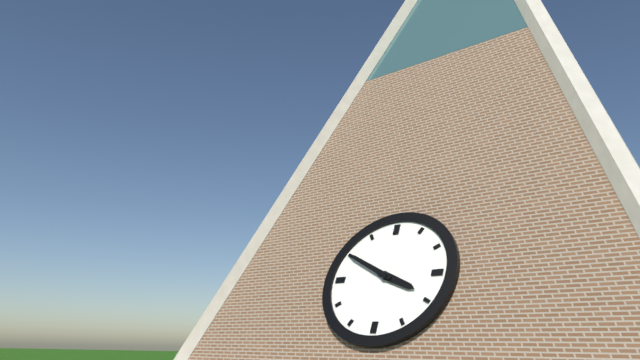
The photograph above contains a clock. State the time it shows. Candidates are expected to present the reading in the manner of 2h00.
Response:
3h50
